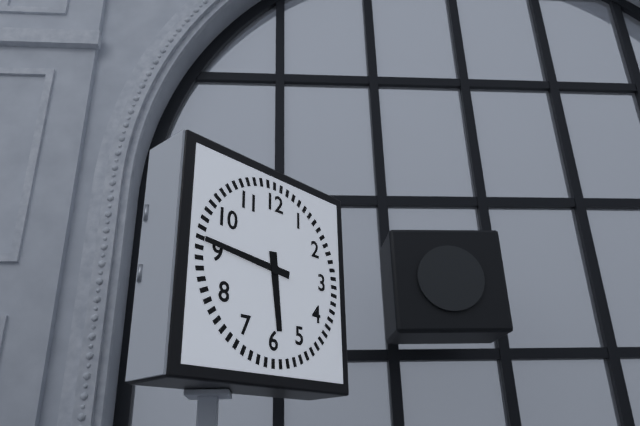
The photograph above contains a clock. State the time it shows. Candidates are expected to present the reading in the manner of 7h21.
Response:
5h46
